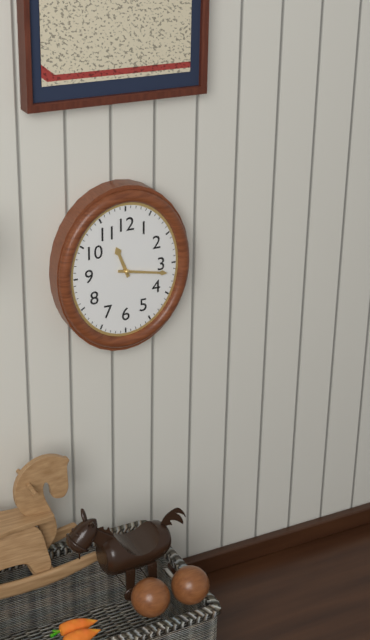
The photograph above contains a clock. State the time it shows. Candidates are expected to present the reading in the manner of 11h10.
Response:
11h17
